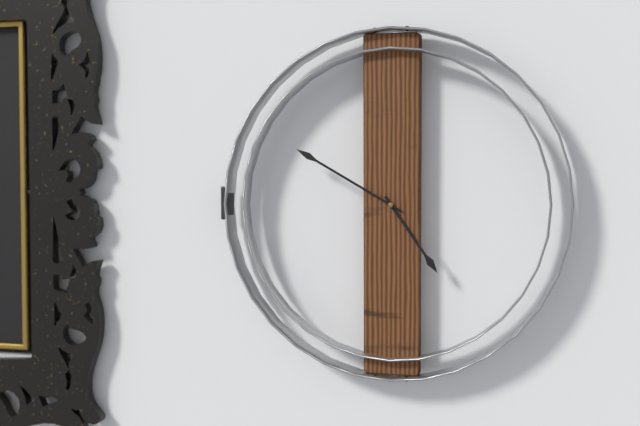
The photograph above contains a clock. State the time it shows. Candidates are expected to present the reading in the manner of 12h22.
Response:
4h50
